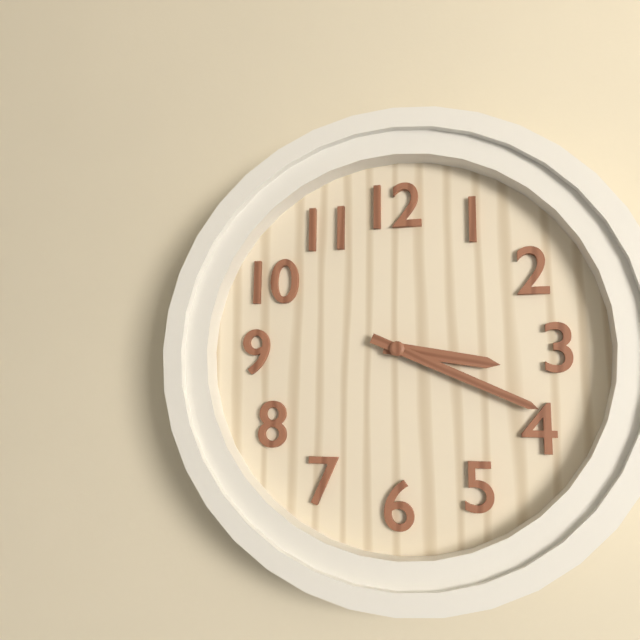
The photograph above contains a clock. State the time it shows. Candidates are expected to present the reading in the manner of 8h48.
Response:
3h19
